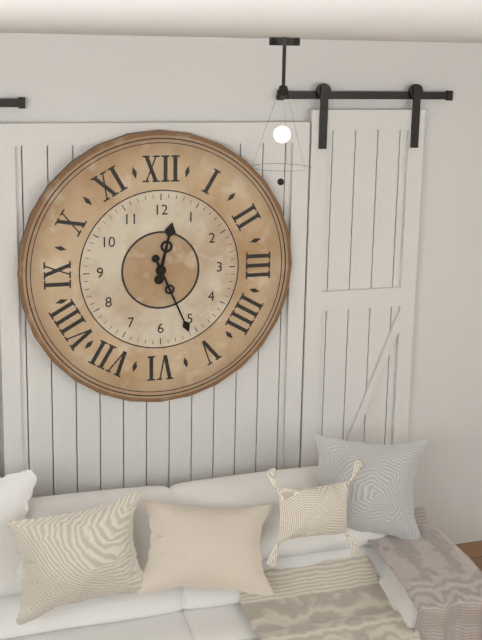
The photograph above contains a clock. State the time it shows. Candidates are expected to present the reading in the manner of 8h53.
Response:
12h26
